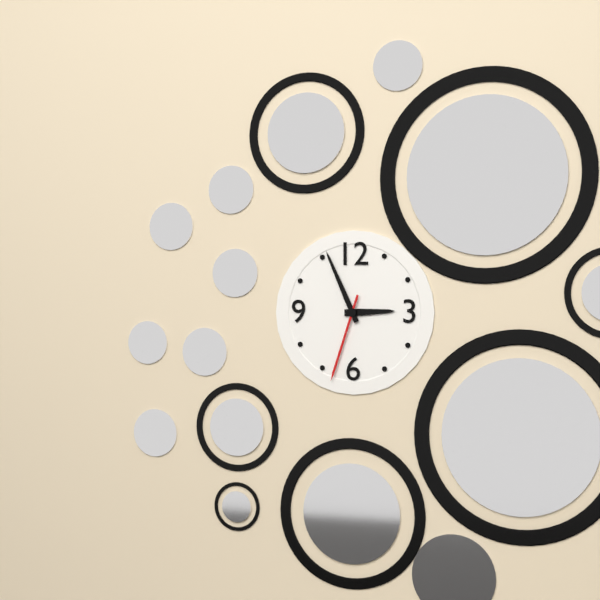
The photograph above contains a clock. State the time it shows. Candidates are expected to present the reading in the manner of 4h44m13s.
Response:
2h56m33s
